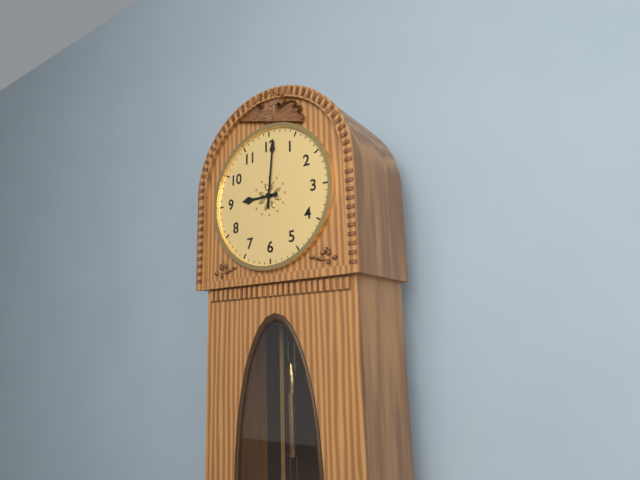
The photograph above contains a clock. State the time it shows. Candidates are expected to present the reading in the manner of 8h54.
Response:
9h01
